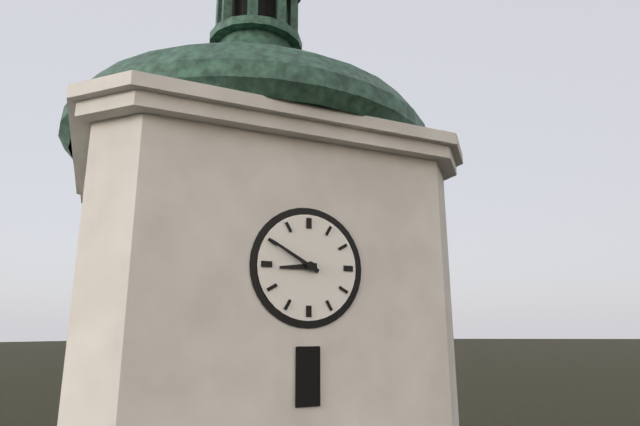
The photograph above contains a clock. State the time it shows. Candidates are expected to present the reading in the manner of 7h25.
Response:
8h50
